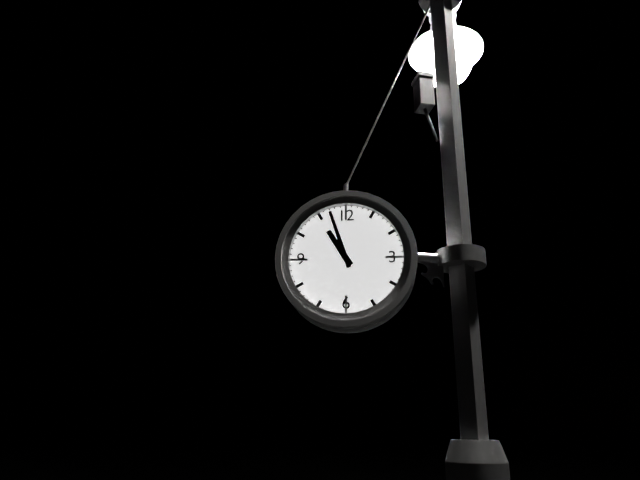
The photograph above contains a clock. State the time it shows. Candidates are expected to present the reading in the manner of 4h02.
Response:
10h57
